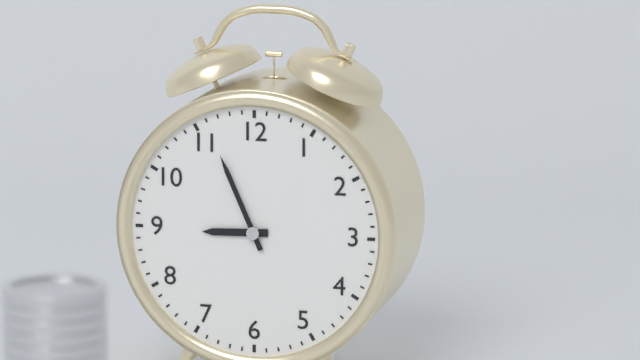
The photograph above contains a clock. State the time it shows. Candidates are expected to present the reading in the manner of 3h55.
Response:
8h56
